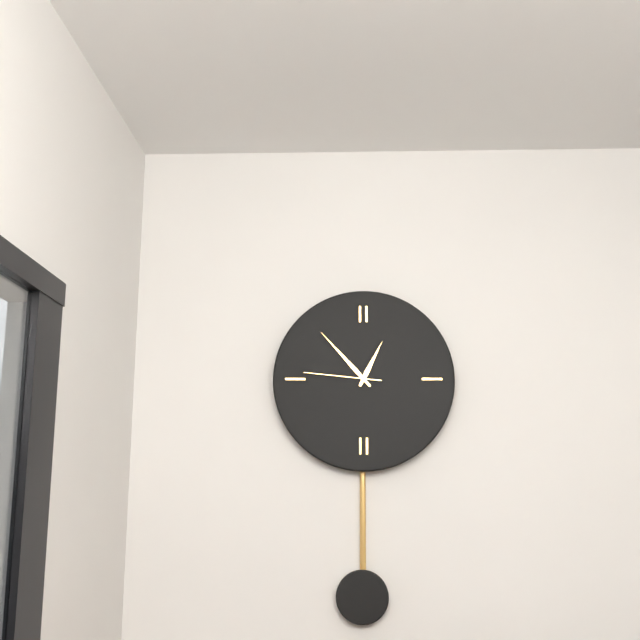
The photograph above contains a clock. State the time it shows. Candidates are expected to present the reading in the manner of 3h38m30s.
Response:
12h53m46s
